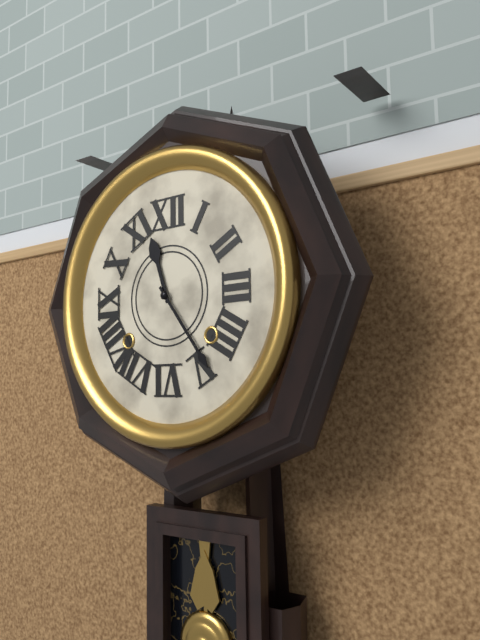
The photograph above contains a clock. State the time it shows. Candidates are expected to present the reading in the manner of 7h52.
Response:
11h24
